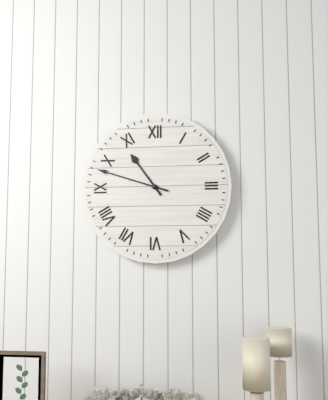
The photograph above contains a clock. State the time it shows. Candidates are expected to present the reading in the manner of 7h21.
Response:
10h48
